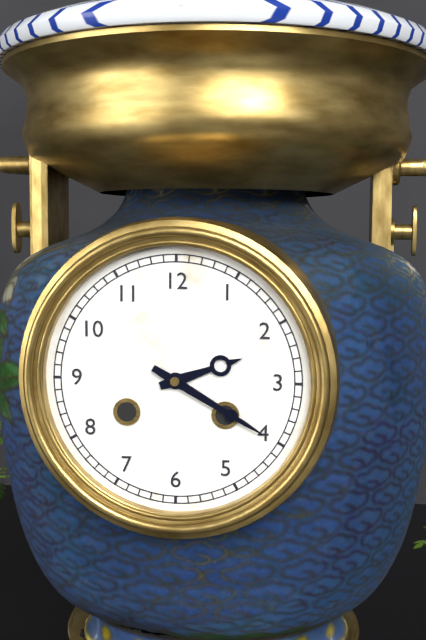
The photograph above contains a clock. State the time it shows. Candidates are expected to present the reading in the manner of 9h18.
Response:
2h20
